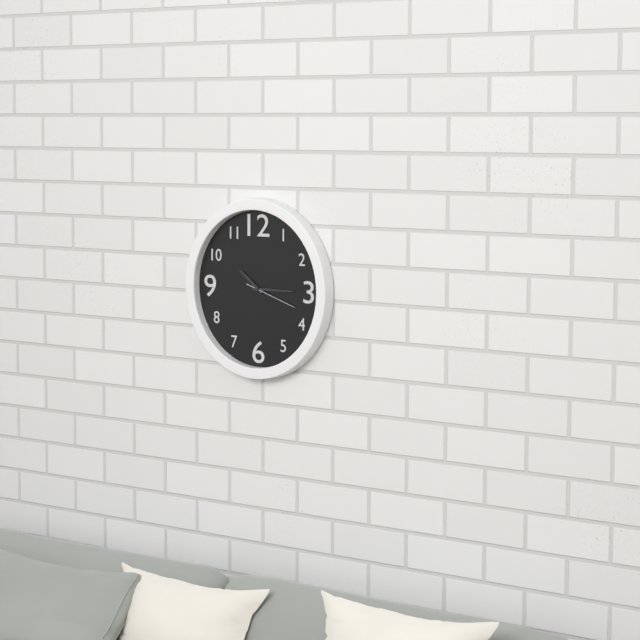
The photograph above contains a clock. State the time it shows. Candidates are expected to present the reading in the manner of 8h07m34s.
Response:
10h15m18s
